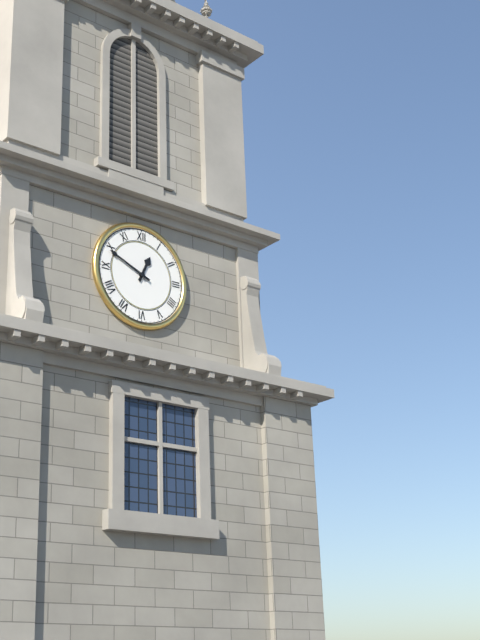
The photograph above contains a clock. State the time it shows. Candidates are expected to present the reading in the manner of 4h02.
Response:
12h49
